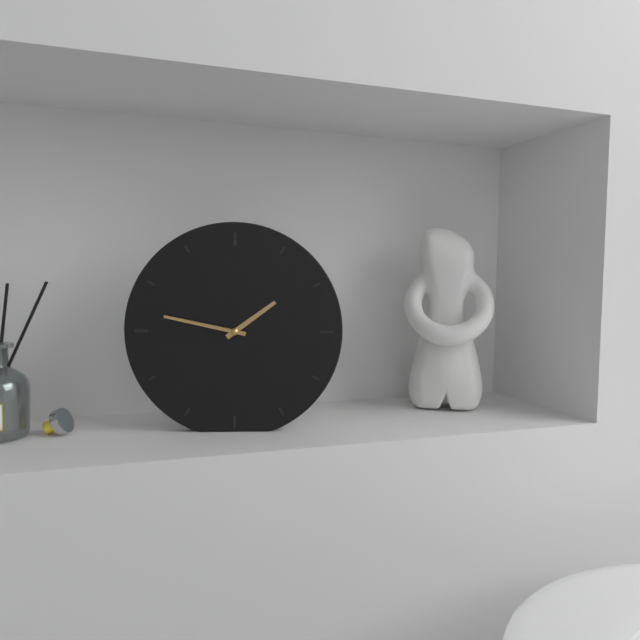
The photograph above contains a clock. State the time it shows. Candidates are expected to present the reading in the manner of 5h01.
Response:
1h47
